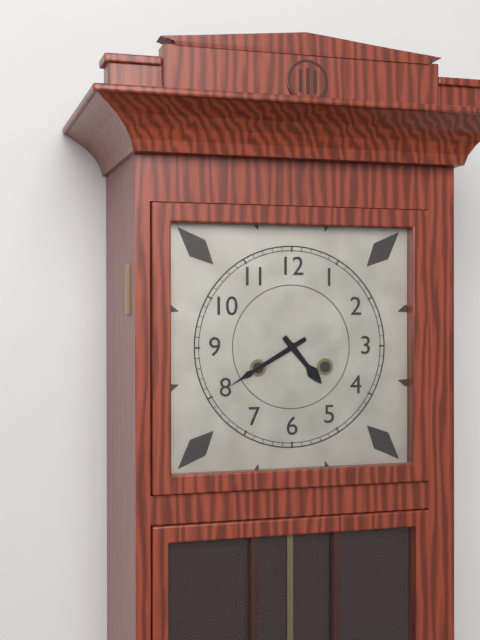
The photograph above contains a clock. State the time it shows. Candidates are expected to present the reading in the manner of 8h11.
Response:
4h40
